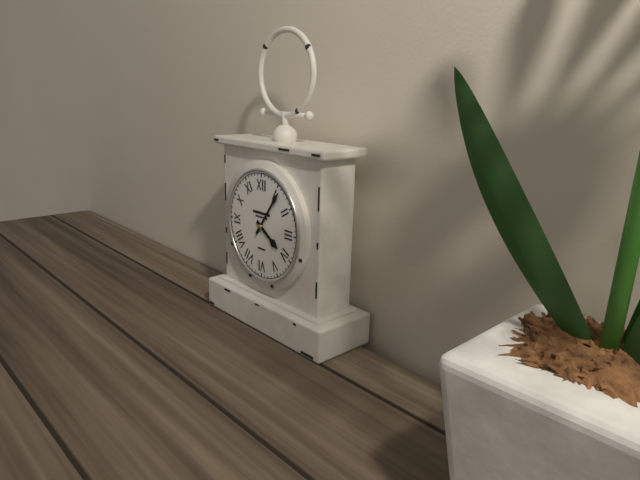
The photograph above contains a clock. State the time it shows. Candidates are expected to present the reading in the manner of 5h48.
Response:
4h06
